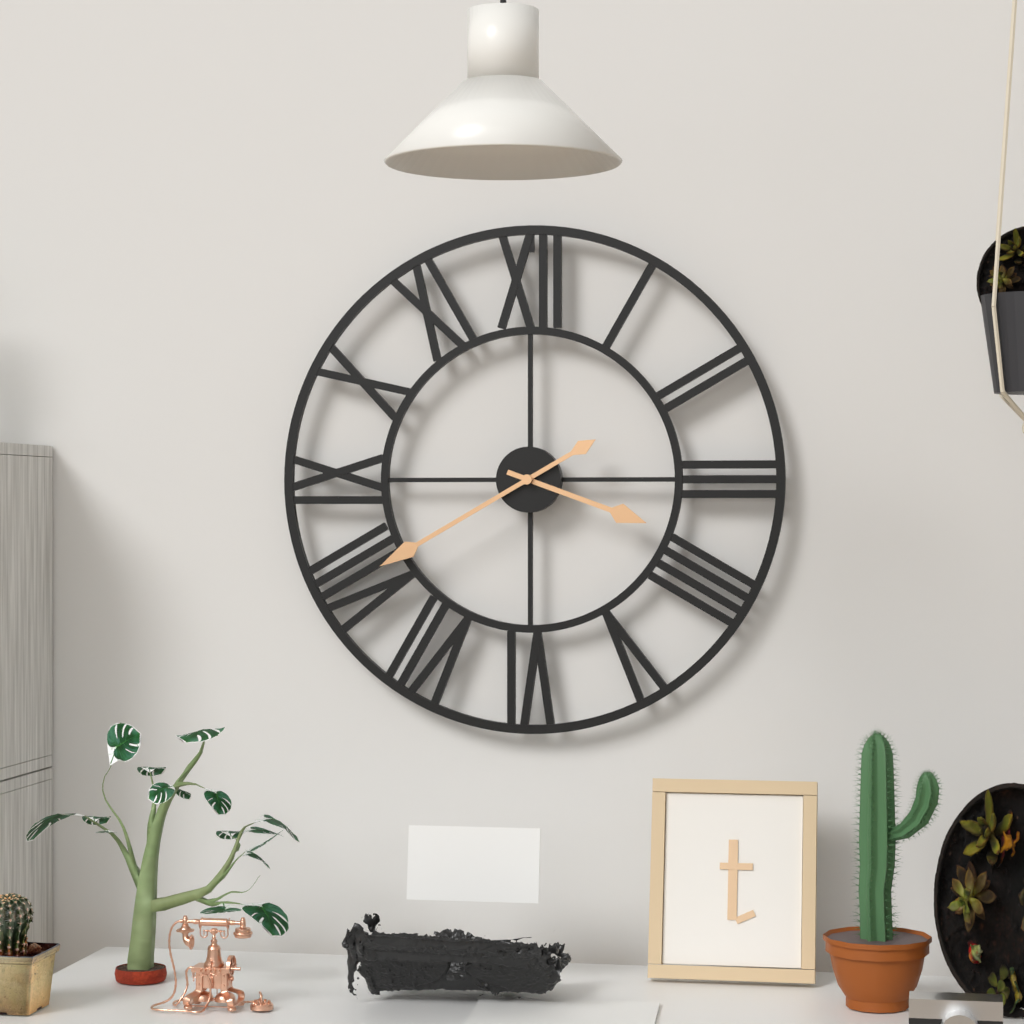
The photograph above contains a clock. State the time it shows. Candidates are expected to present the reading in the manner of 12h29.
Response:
3h40
